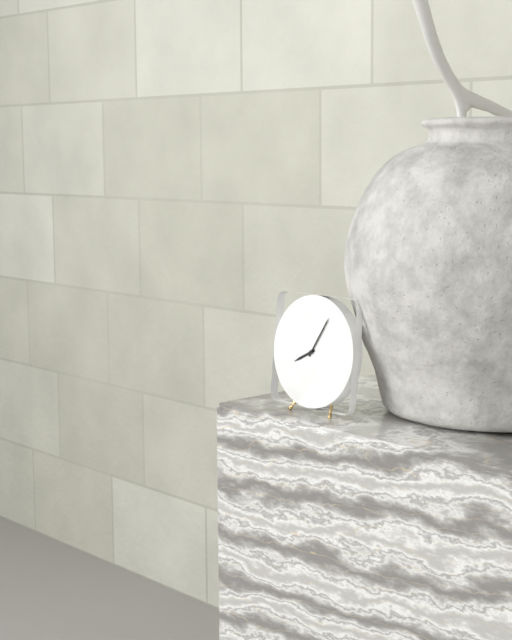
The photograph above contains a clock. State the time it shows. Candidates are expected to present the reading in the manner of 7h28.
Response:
8h05
